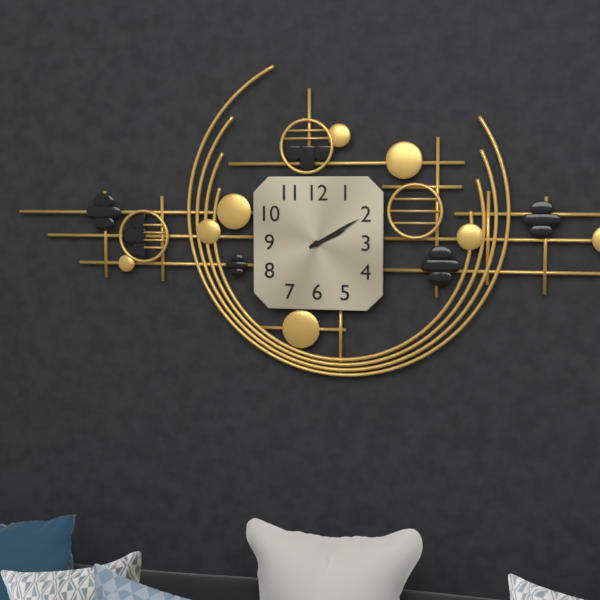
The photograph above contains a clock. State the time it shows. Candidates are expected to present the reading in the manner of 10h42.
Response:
2h10
